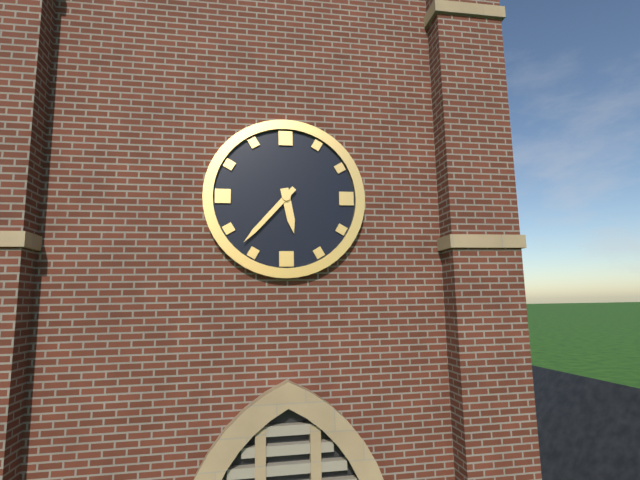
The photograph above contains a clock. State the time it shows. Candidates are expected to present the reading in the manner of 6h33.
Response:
5h37
